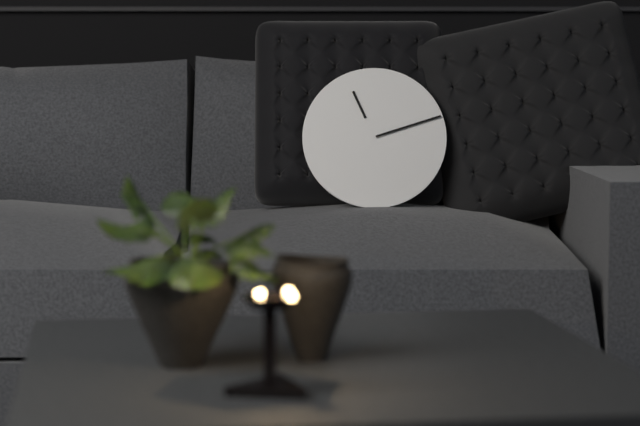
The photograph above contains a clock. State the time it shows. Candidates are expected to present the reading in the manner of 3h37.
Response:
11h12
